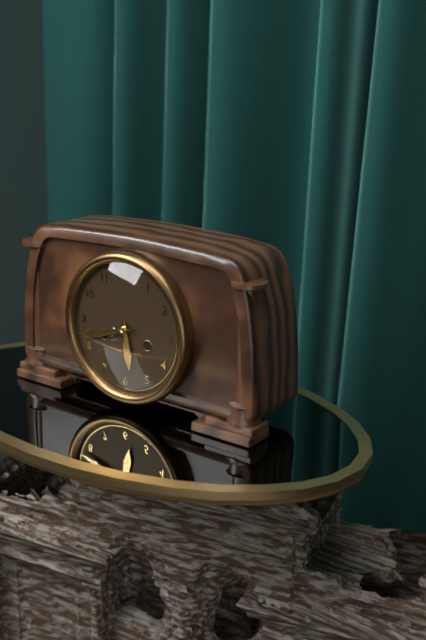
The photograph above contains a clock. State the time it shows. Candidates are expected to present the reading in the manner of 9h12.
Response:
5h42
